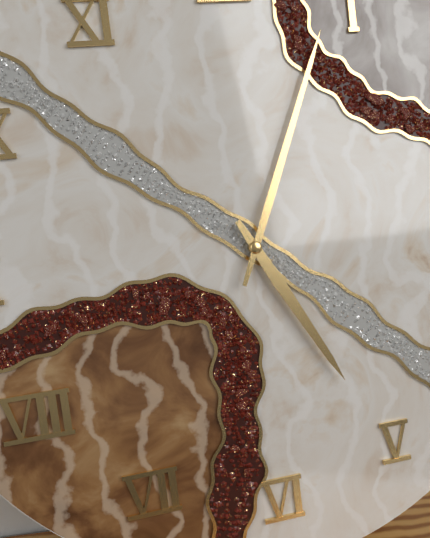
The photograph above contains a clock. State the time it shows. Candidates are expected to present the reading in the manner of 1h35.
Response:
5h04
